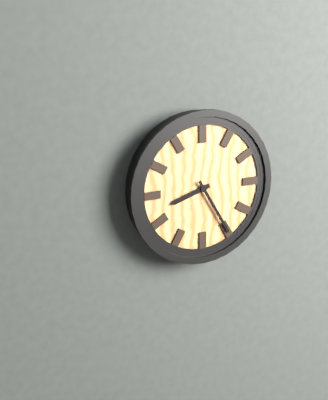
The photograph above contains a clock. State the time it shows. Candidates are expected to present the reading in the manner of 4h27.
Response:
8h25
